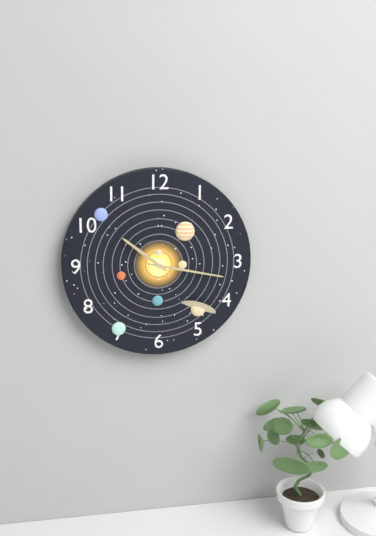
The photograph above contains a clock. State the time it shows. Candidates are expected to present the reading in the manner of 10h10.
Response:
10h17
